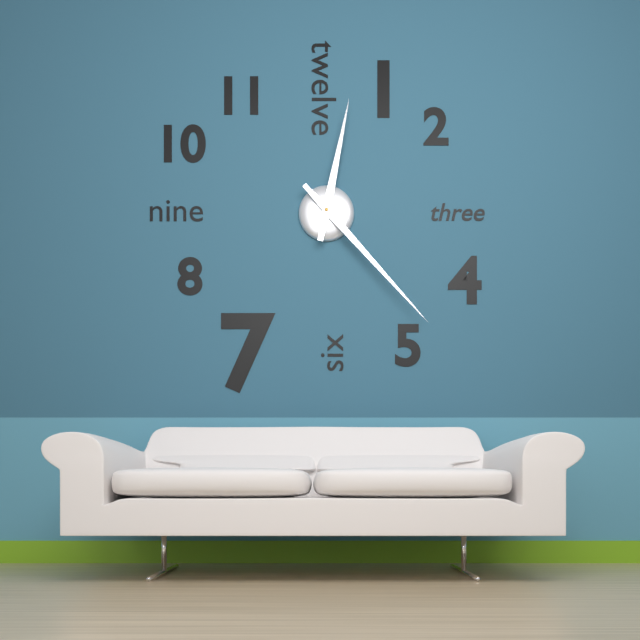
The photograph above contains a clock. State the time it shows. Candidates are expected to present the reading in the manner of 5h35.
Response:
12h23
